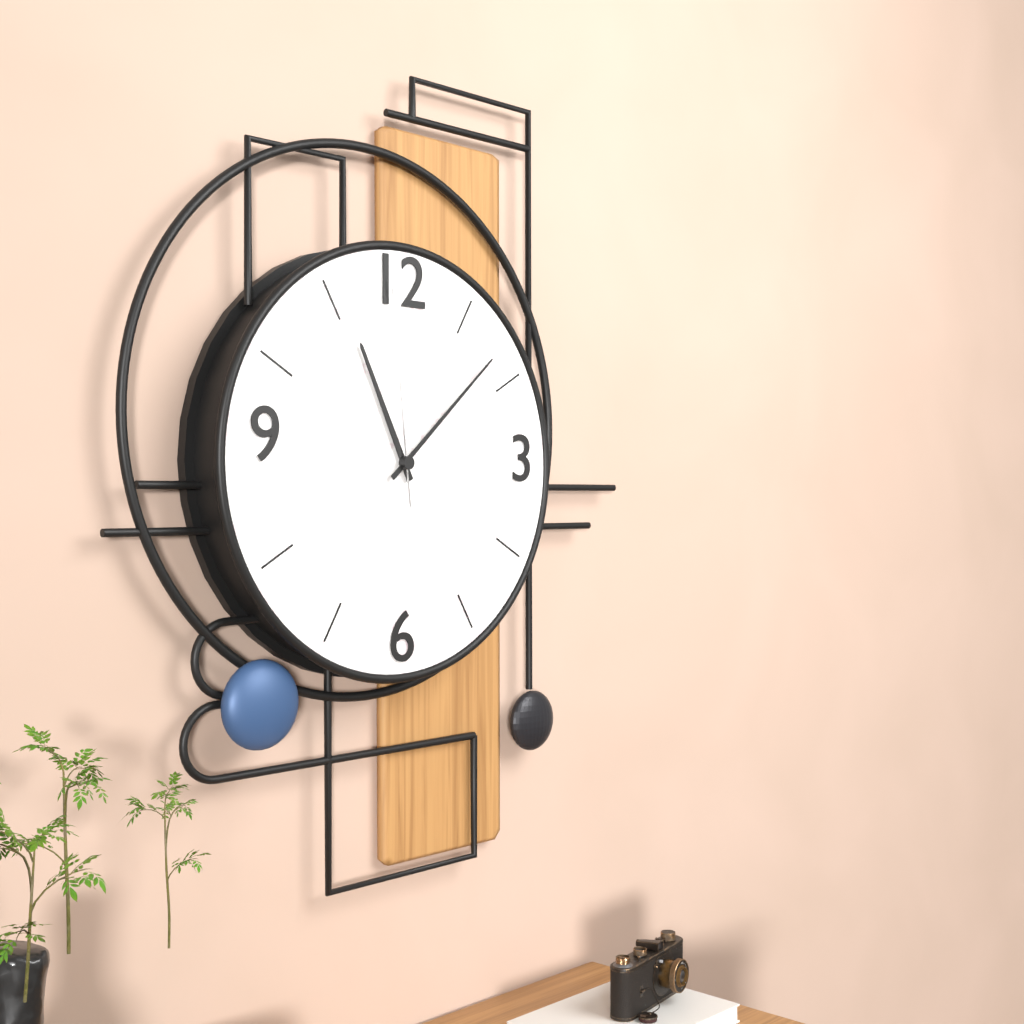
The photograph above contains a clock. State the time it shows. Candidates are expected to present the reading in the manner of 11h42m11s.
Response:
11h08m59s
